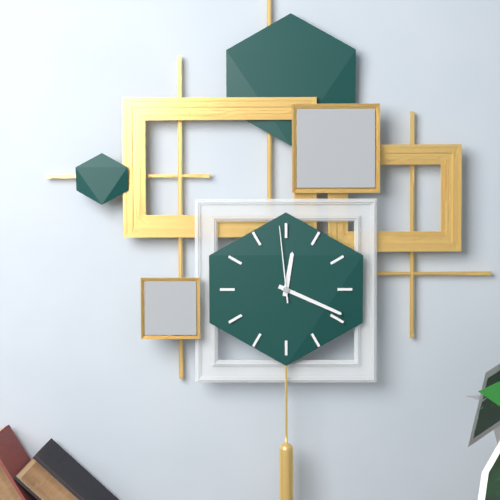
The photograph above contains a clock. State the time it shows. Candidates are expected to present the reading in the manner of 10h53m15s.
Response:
12h19m59s
